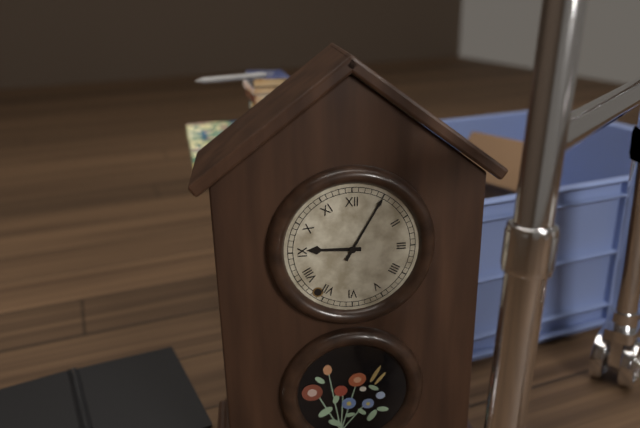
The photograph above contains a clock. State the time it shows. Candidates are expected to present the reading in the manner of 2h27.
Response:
9h05
